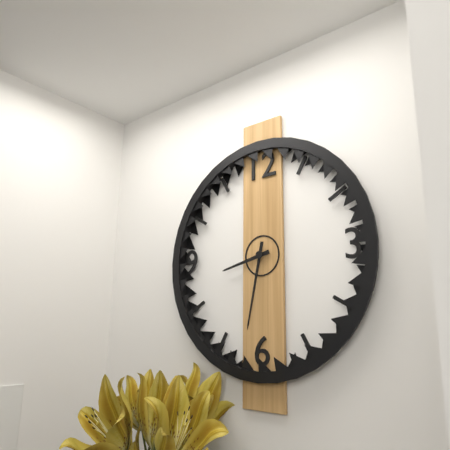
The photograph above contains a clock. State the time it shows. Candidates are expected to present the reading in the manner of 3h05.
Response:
8h32
